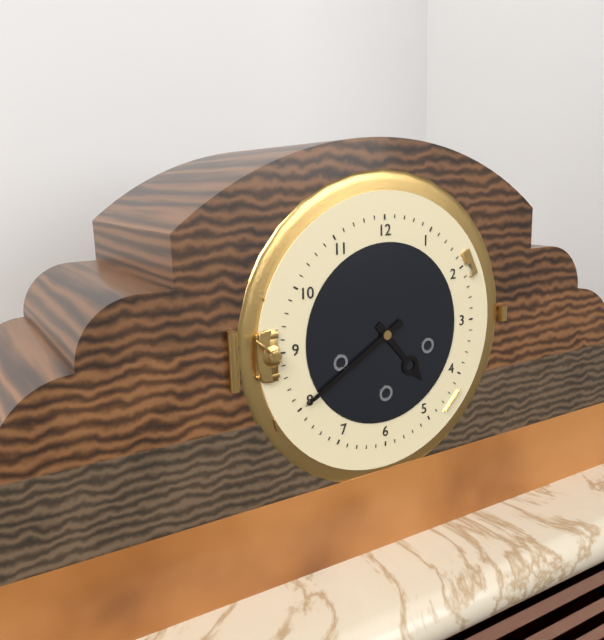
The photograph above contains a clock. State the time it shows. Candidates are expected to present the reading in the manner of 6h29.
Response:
4h40
